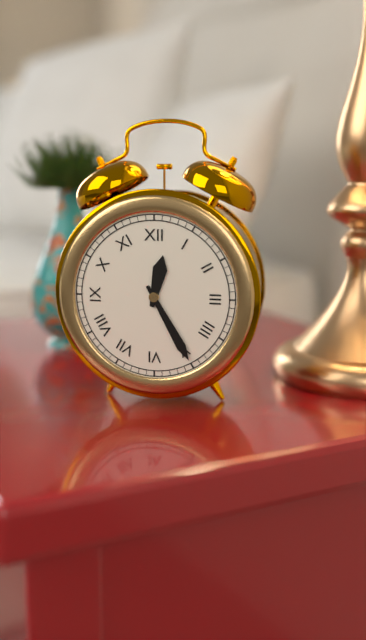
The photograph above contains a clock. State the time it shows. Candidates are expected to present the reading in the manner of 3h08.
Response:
12h25
